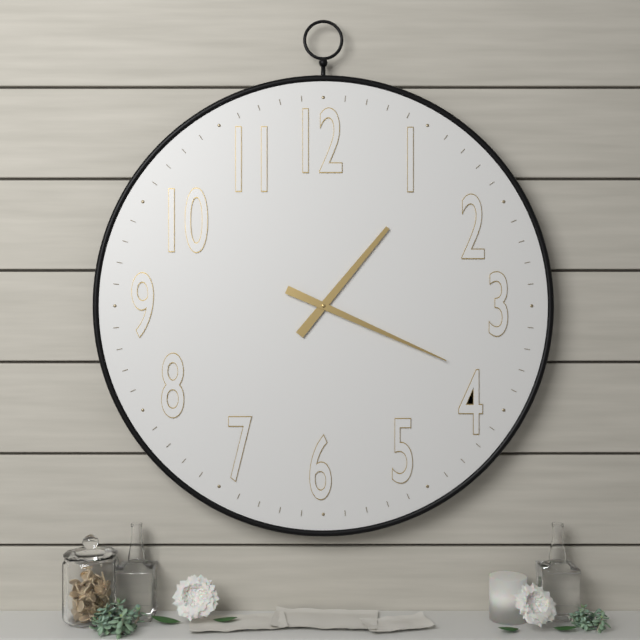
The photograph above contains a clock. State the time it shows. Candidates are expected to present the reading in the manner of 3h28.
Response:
1h19
